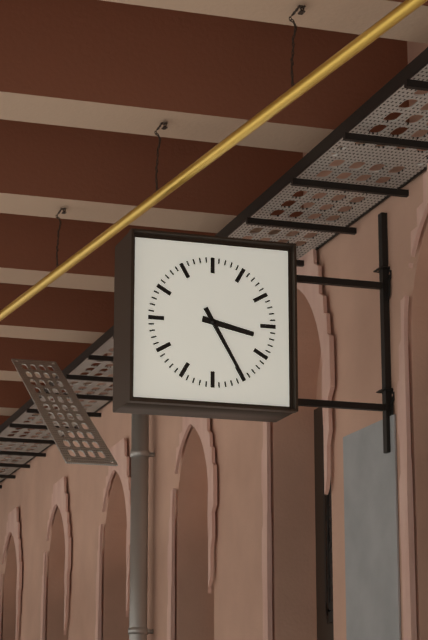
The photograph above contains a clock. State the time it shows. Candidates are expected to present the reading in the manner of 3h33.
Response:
3h25
